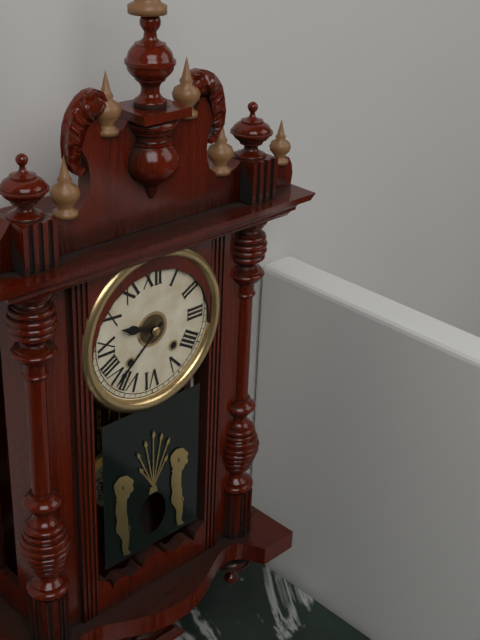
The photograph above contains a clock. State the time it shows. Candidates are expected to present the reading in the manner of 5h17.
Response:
9h38
